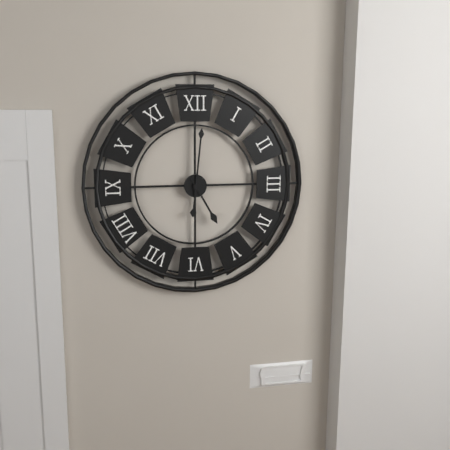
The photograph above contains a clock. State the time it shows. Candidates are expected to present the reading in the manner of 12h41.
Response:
5h01
